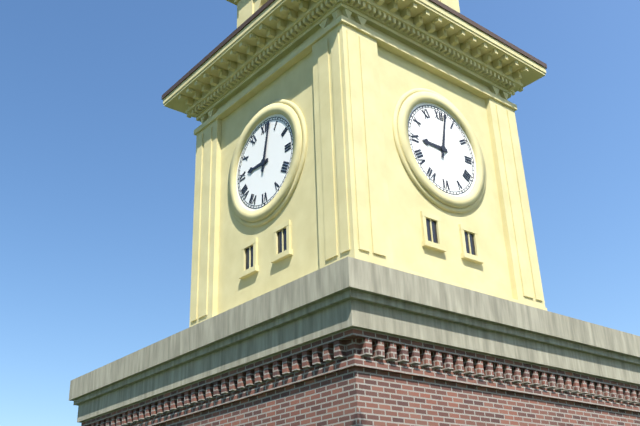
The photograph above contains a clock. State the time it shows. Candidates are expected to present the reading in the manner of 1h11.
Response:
9h02
